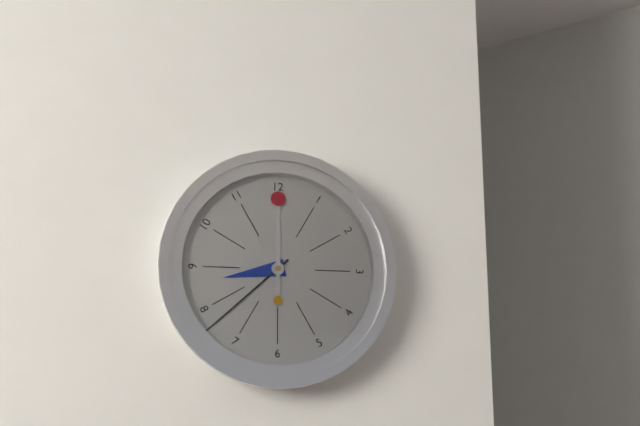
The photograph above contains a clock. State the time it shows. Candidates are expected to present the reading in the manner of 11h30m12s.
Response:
8h38m00s
